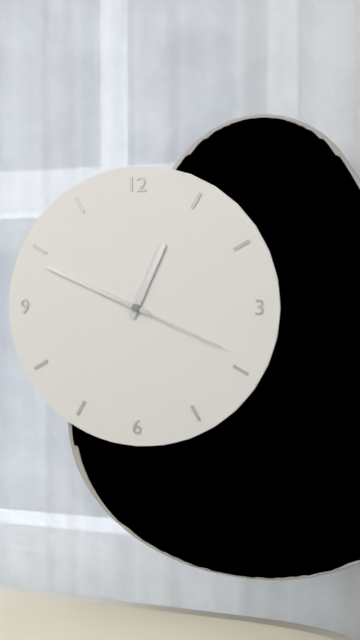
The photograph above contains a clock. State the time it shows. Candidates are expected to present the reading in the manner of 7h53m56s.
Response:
12h49m19s
